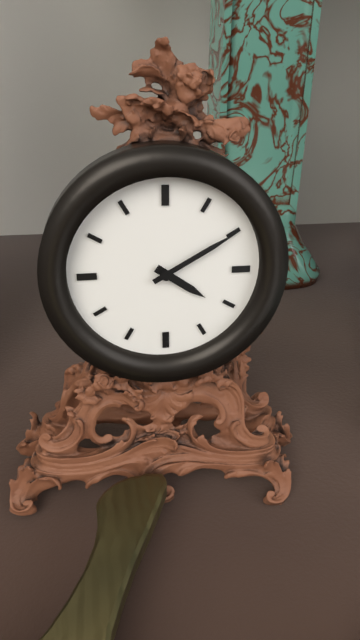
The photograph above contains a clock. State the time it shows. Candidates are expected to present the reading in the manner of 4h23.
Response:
4h10
